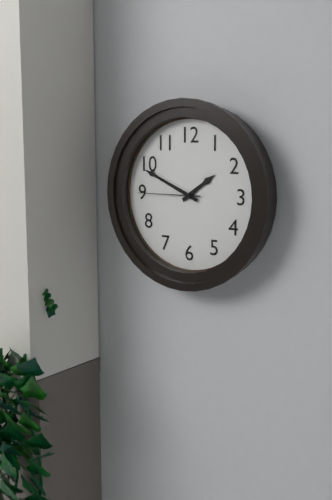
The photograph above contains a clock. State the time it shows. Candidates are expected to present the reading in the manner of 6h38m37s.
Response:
1h49m45s
